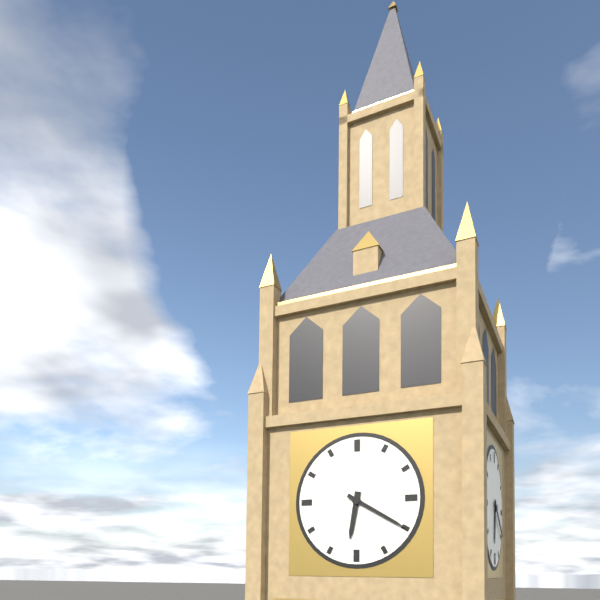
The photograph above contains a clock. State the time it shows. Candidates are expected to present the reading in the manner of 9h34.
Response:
6h20
